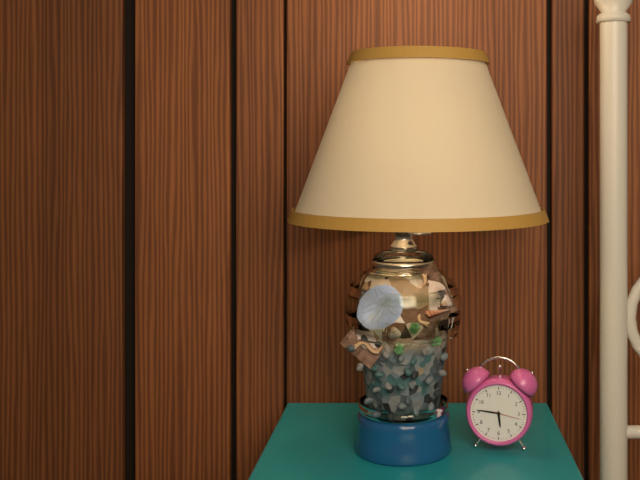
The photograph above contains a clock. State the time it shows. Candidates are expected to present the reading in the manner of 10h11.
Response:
5h46
